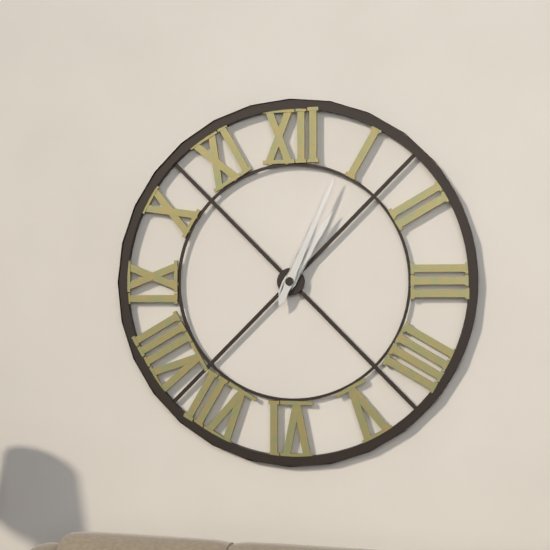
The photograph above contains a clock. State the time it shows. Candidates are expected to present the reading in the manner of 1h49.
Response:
1h04
